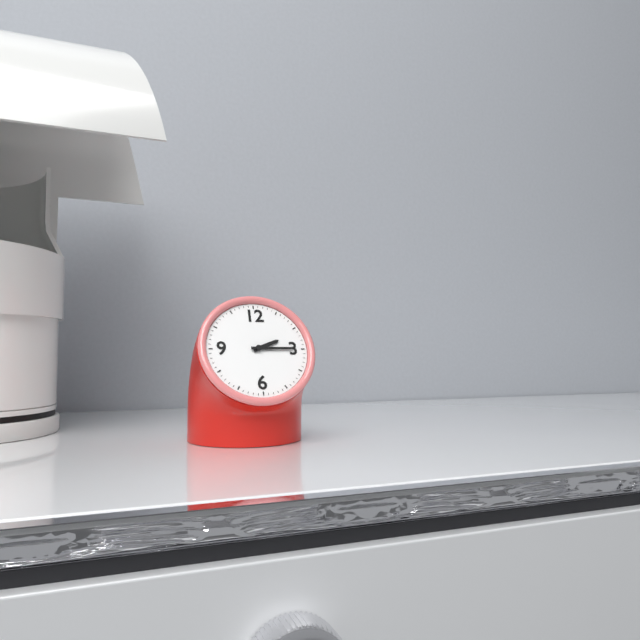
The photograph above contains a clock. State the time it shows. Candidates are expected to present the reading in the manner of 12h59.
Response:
2h15
